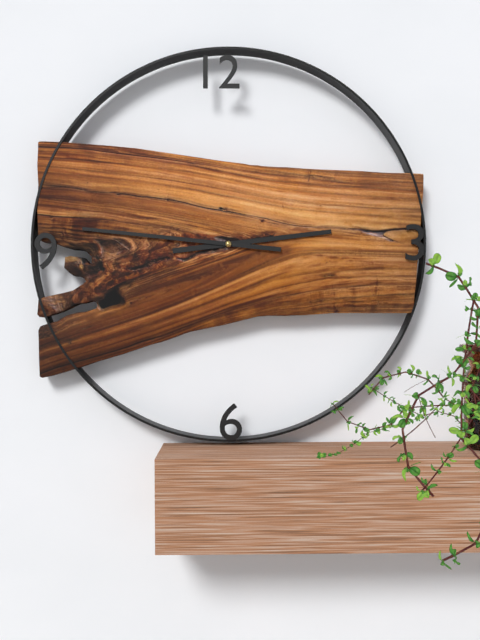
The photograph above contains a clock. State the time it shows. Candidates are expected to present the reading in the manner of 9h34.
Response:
2h46
